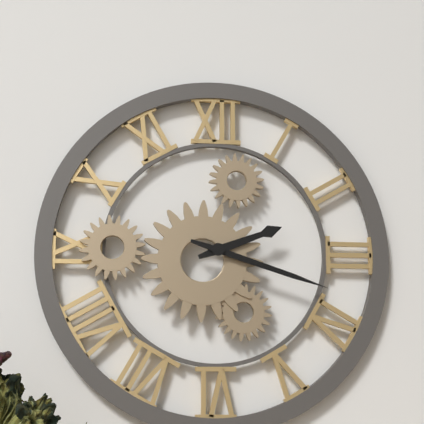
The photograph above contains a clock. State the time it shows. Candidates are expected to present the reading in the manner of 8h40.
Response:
2h18
